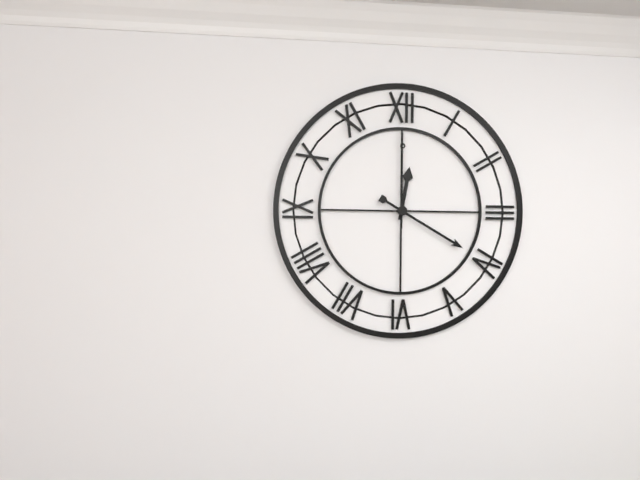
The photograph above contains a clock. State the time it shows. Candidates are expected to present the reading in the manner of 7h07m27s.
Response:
12h20m00s
